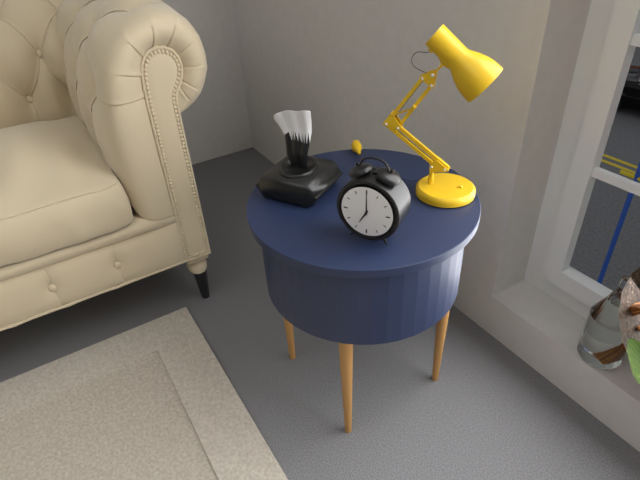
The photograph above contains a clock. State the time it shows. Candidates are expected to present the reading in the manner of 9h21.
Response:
7h00
